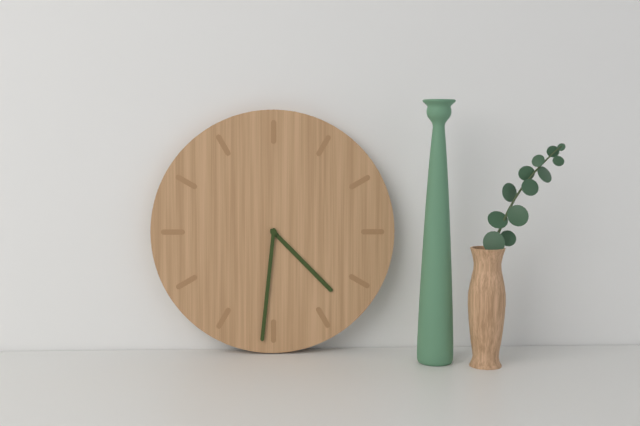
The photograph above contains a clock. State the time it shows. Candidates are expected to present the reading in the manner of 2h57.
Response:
4h31
